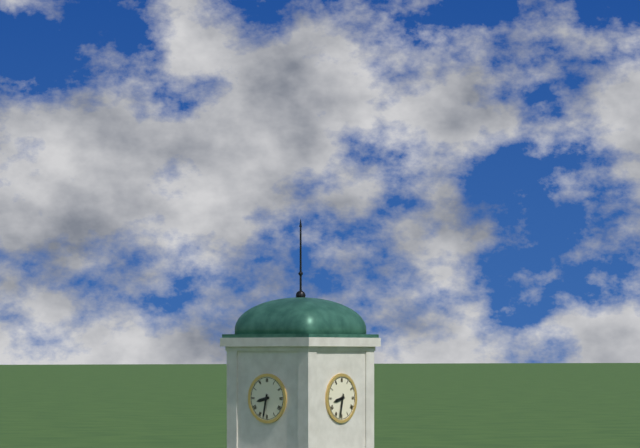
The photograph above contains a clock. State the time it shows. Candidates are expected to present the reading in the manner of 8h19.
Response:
8h32
